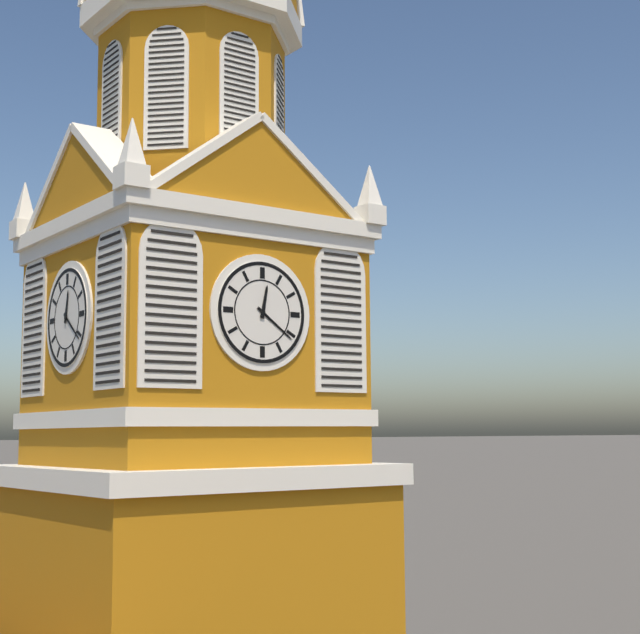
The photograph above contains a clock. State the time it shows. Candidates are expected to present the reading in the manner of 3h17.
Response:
12h21
